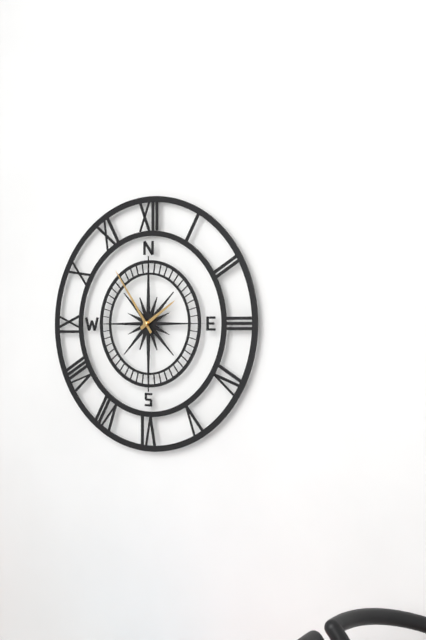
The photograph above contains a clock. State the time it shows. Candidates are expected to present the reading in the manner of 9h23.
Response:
1h54
